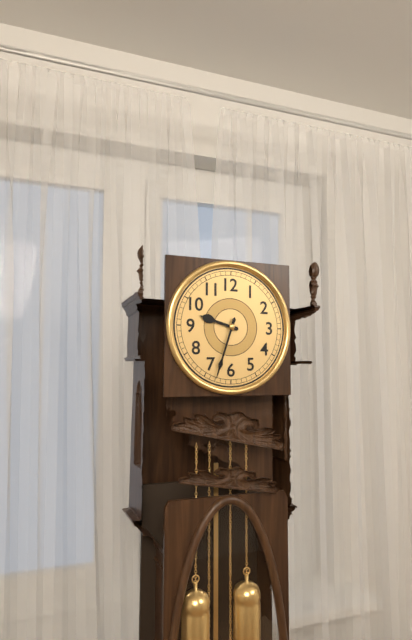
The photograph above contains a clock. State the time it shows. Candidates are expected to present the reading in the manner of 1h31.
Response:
9h33
